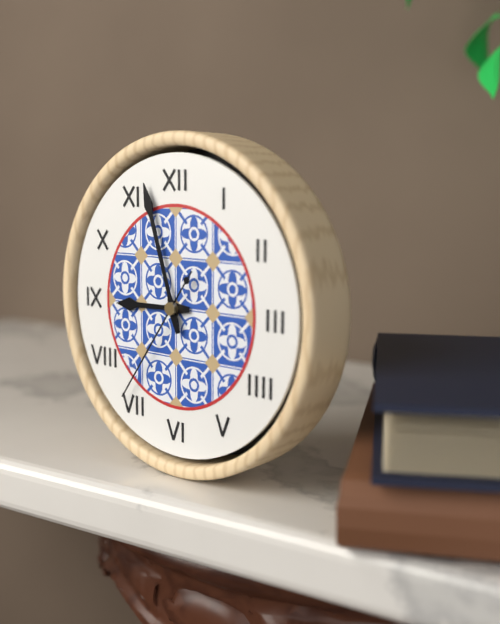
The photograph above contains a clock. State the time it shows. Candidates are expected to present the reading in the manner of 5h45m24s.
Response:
8h57m36s
